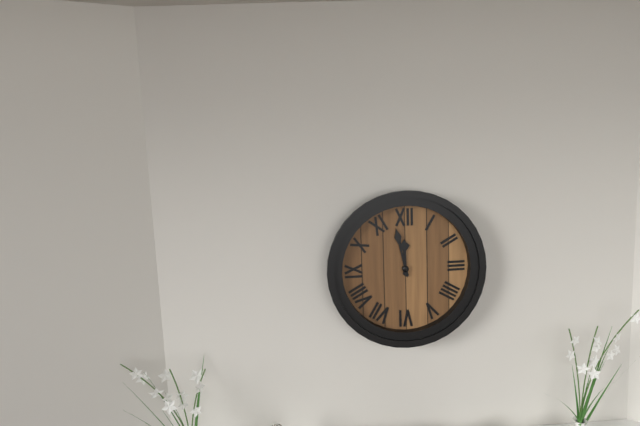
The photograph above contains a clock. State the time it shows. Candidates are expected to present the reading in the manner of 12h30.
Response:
11h58
